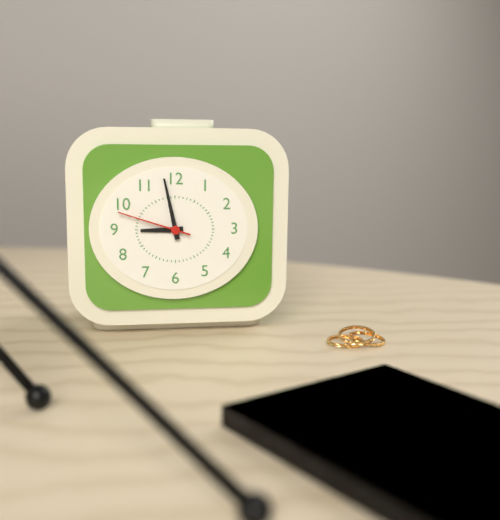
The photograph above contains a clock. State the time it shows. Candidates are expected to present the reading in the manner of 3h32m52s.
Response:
8h58m48s
